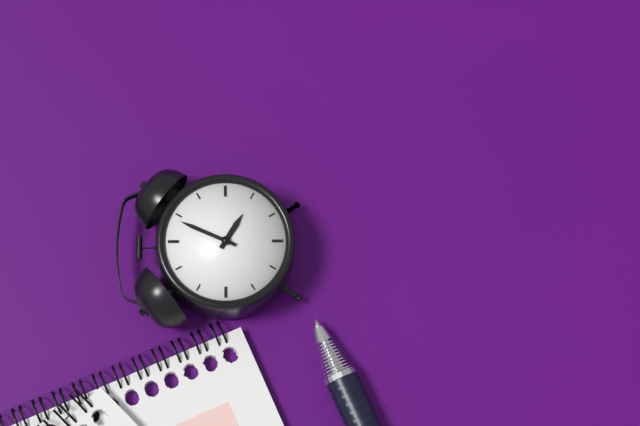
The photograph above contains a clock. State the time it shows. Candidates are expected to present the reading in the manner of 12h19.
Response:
4h04
